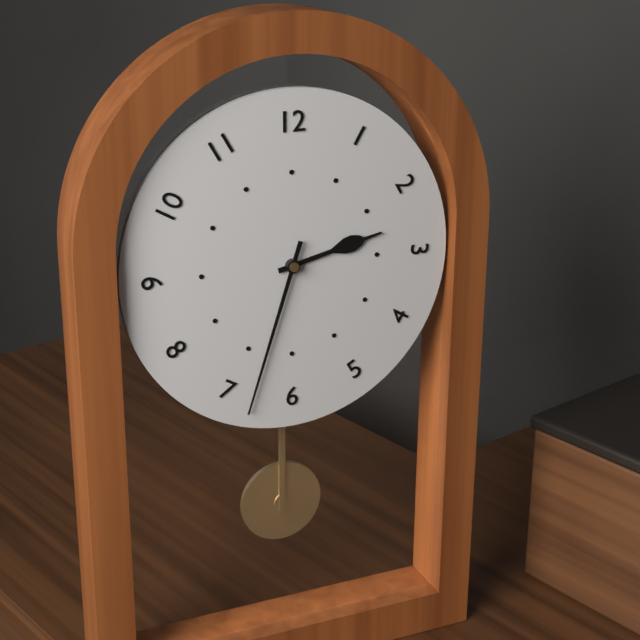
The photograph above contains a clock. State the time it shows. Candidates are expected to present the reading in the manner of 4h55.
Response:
2h33
